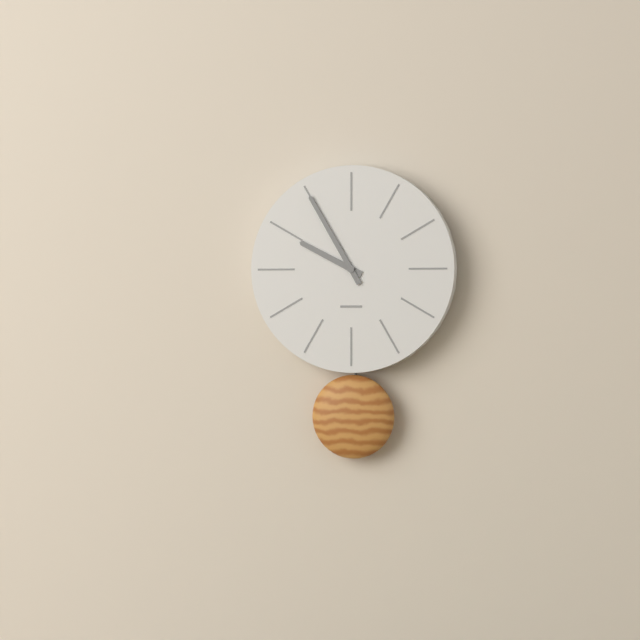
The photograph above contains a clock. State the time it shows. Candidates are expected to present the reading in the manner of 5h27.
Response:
9h55
